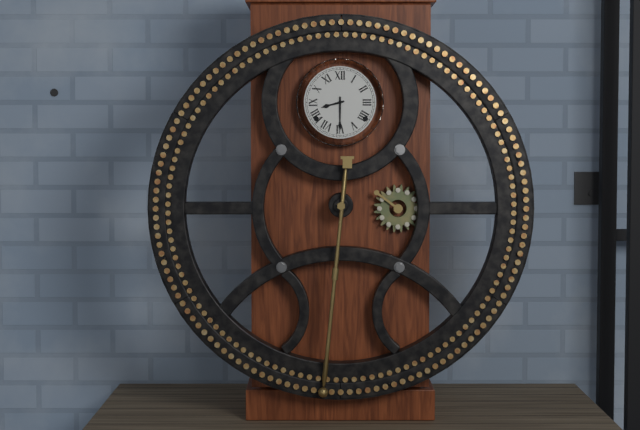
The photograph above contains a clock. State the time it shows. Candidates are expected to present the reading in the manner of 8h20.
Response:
8h30
